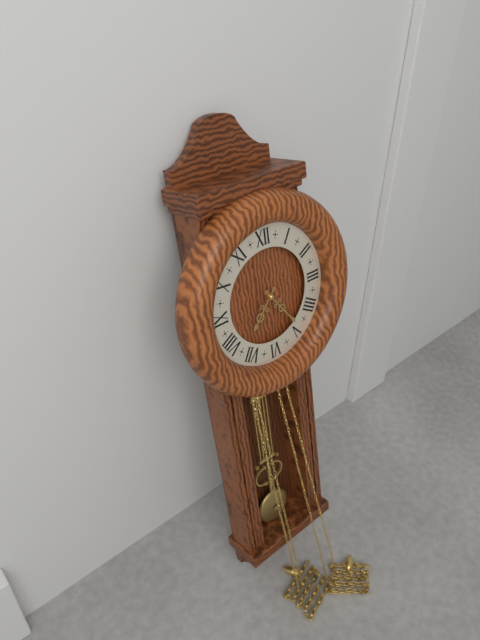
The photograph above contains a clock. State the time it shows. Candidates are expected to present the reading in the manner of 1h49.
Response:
7h24
